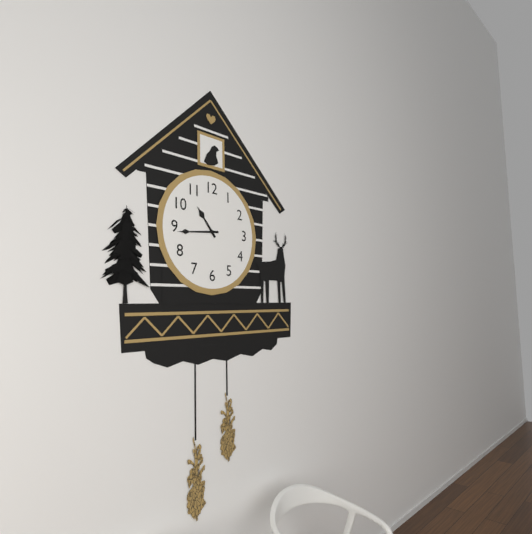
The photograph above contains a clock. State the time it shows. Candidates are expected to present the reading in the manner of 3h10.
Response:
10h44
